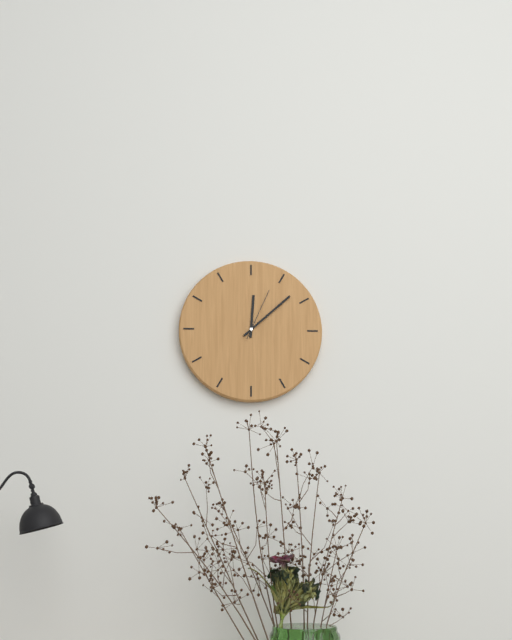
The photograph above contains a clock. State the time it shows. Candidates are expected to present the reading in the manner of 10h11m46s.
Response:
12h08m04s
